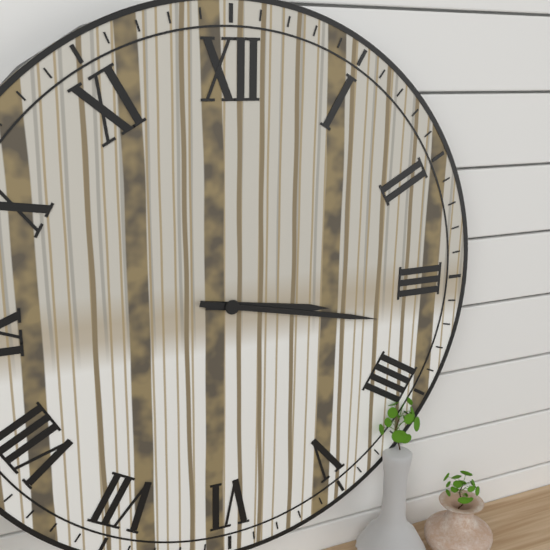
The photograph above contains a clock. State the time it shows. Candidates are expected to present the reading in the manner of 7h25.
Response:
3h17
